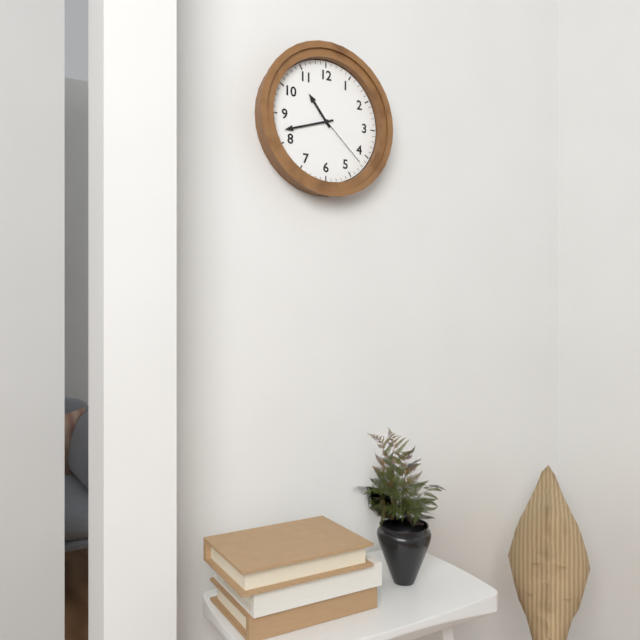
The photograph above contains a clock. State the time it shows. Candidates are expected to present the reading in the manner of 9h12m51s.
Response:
10h42m22s
